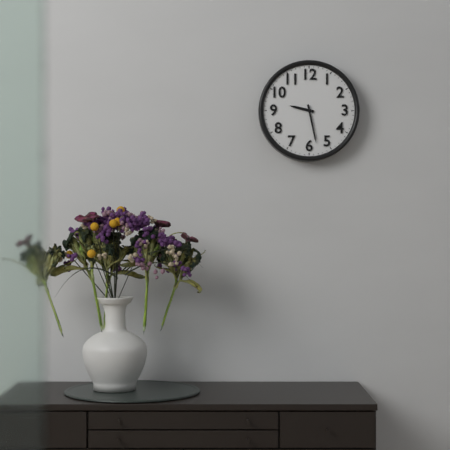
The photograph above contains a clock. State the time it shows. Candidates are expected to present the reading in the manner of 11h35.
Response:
9h28
